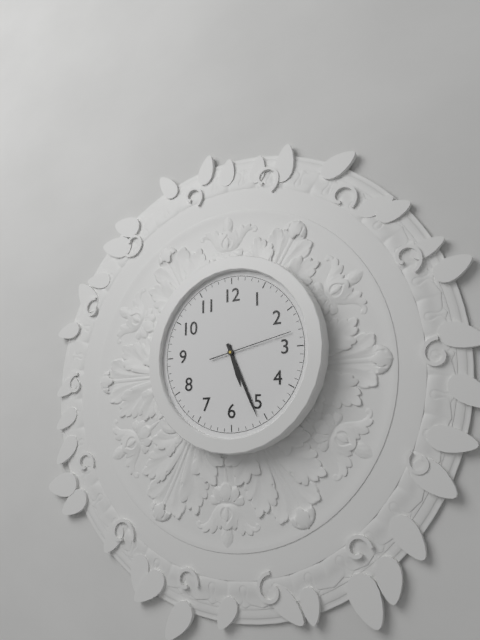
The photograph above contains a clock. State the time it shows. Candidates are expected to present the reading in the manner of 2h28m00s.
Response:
5h26m13s
